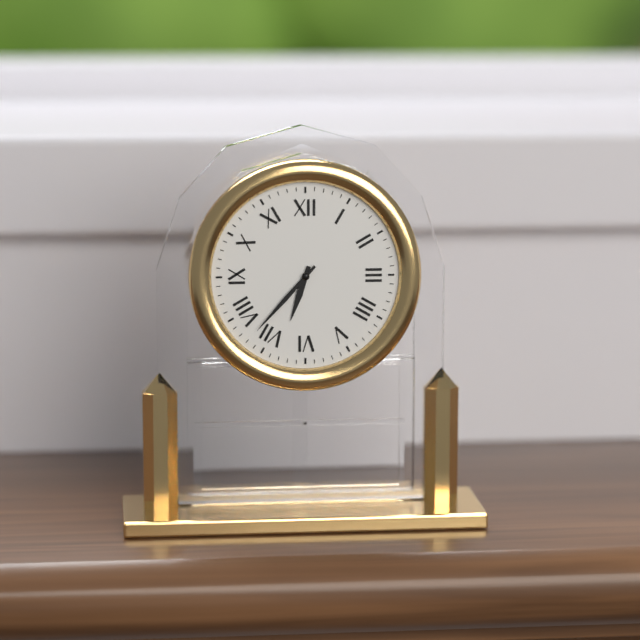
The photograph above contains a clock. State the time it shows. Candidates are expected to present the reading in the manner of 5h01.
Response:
6h37
